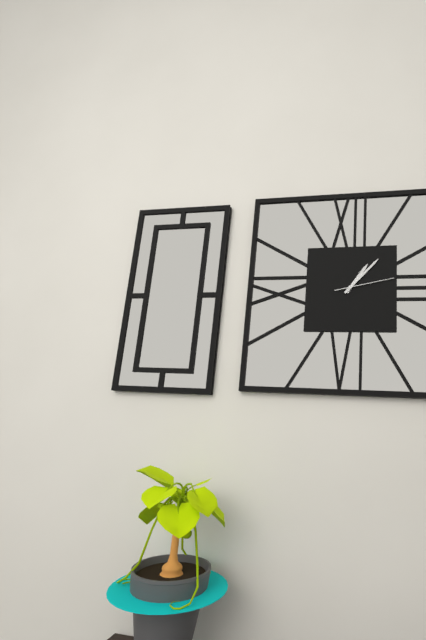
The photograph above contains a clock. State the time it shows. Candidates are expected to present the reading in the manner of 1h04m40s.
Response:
1h07m13s
